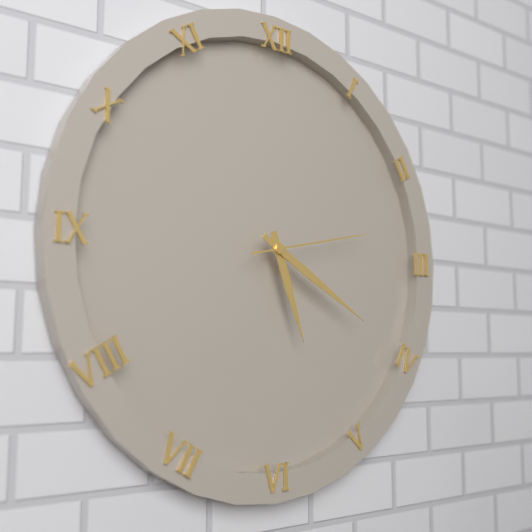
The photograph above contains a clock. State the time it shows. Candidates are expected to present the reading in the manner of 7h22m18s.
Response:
5h20m13s
